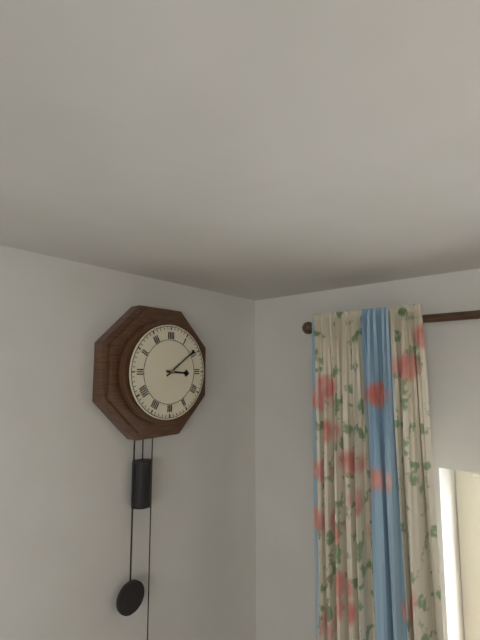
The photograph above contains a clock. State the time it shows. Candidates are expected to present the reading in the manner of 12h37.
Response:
3h09
